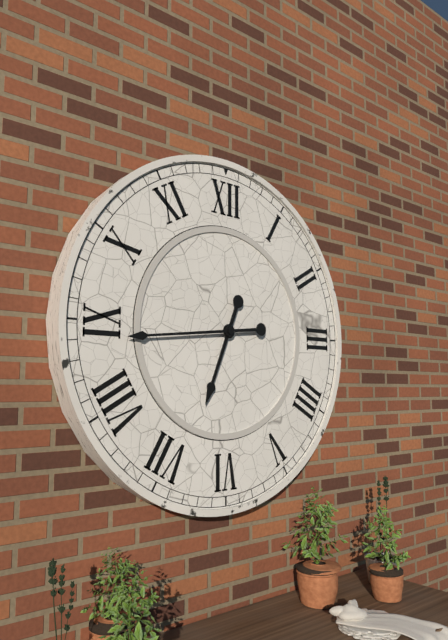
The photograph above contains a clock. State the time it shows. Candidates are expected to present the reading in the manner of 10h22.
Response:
6h44
